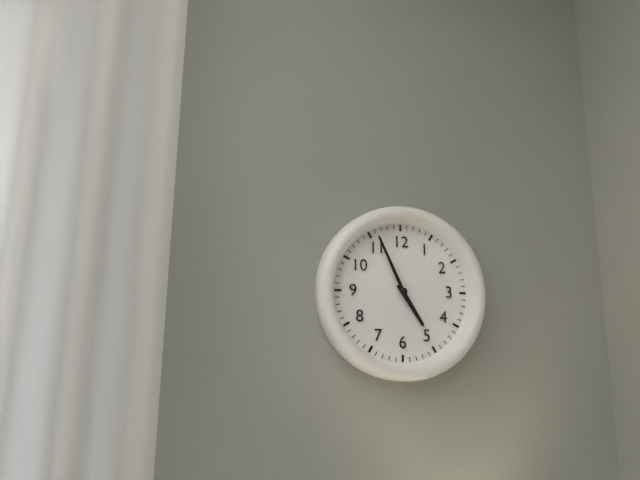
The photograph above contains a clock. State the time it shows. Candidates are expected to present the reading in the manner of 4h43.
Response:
4h56
